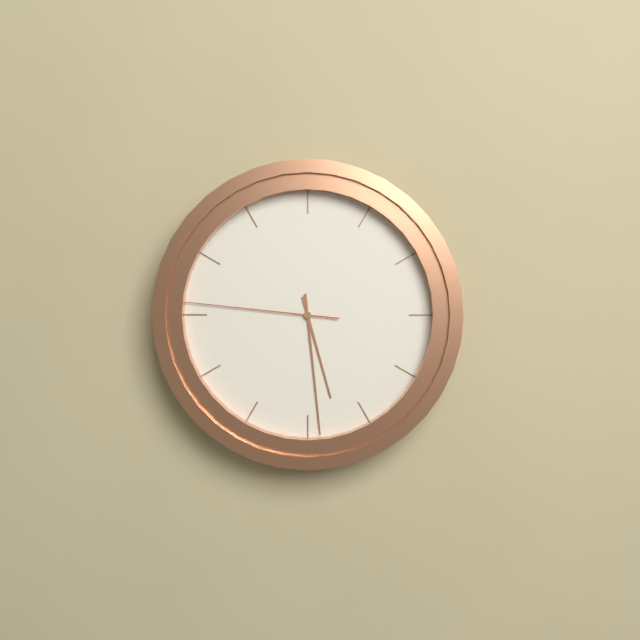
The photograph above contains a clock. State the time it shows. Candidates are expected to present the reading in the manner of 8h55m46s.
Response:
5h29m46s
